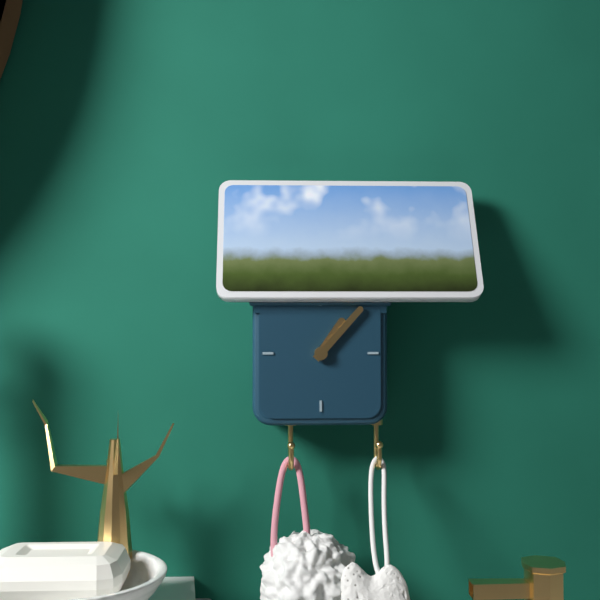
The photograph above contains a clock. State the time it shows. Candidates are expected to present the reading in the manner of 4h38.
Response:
1h07
